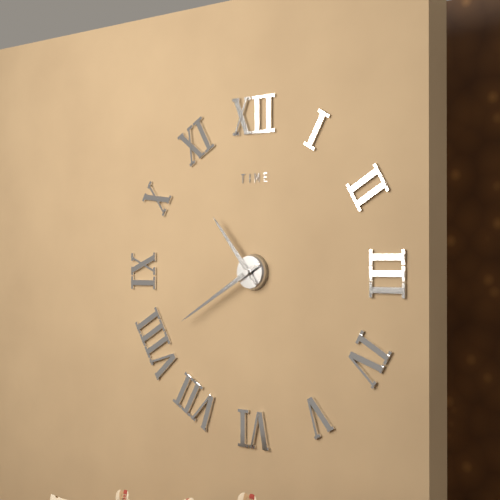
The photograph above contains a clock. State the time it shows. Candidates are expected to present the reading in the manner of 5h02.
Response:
10h40
